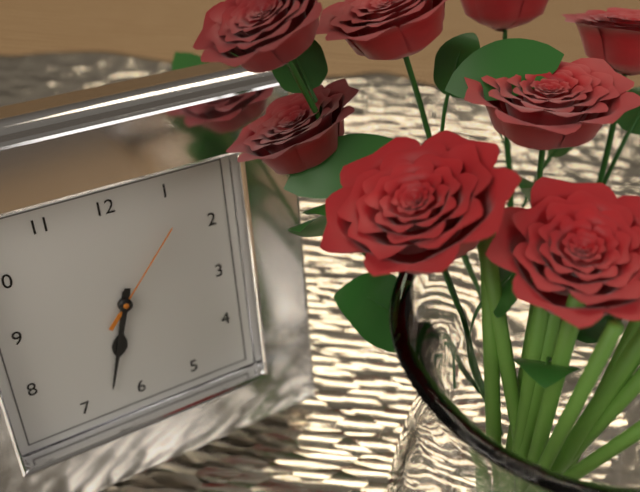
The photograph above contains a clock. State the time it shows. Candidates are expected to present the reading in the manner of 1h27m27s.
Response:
6h33m07s
